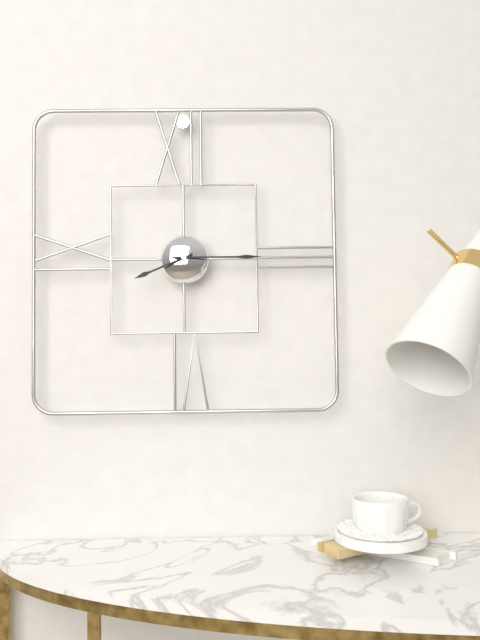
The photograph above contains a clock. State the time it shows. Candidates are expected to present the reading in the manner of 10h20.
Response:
8h15
